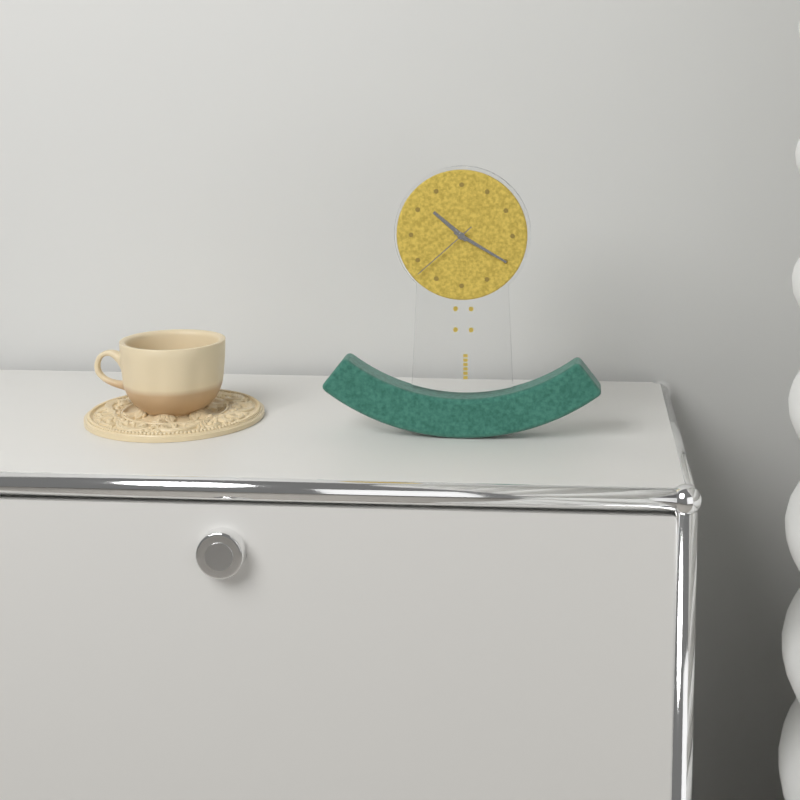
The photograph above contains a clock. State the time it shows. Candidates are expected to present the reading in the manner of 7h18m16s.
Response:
10h20m38s
